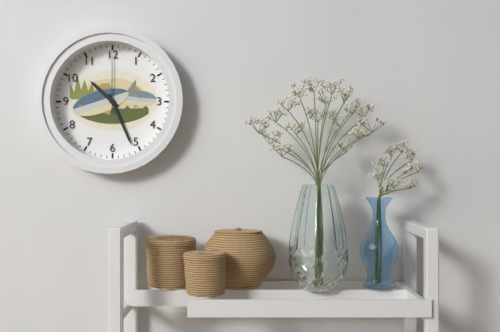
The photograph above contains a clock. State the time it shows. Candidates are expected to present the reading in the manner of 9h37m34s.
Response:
10h26m00s
